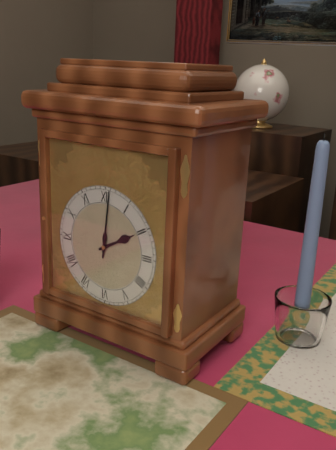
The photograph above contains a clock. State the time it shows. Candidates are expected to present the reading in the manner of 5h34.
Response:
2h01
